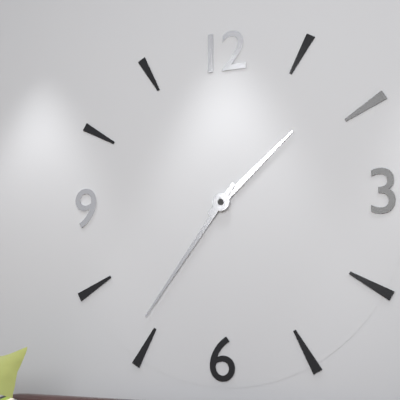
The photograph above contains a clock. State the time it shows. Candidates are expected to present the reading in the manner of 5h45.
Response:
1h36
